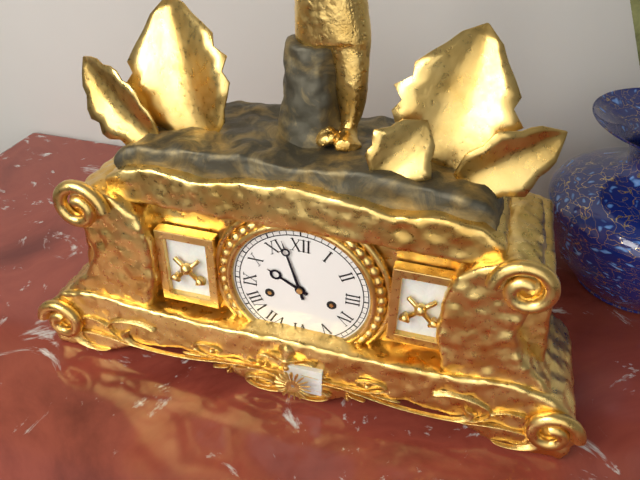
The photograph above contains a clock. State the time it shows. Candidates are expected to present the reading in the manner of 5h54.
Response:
9h57
